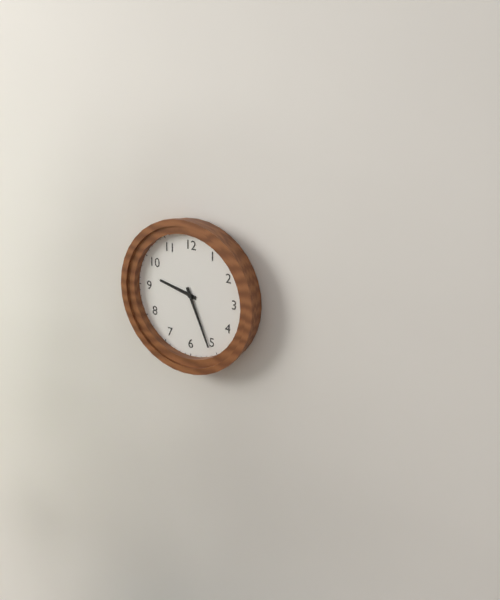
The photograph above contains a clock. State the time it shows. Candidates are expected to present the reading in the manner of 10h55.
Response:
9h26
